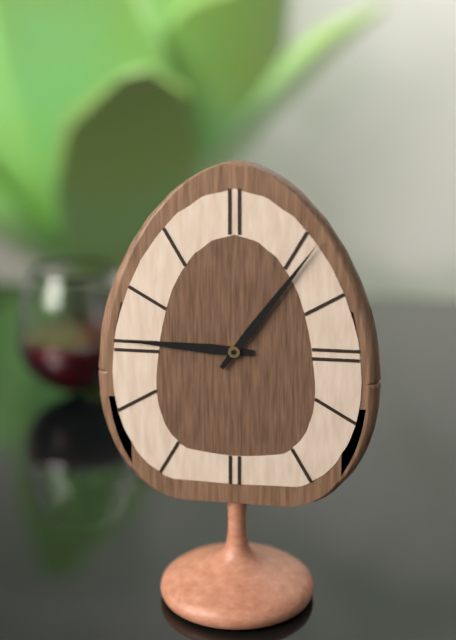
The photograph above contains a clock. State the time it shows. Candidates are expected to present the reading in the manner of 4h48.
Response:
9h06
